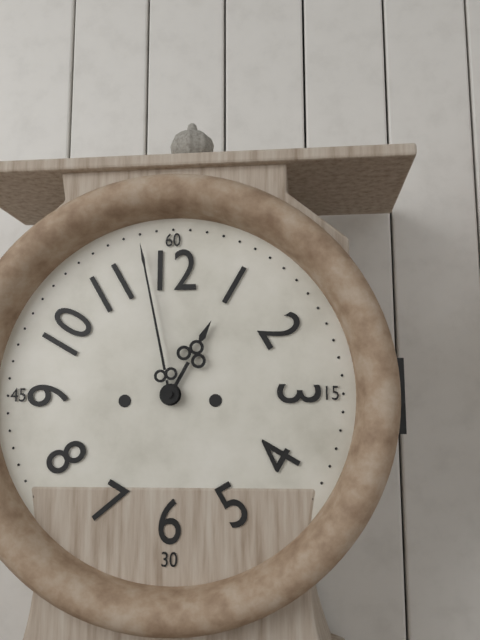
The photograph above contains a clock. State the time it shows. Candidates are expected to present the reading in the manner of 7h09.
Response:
12h58
